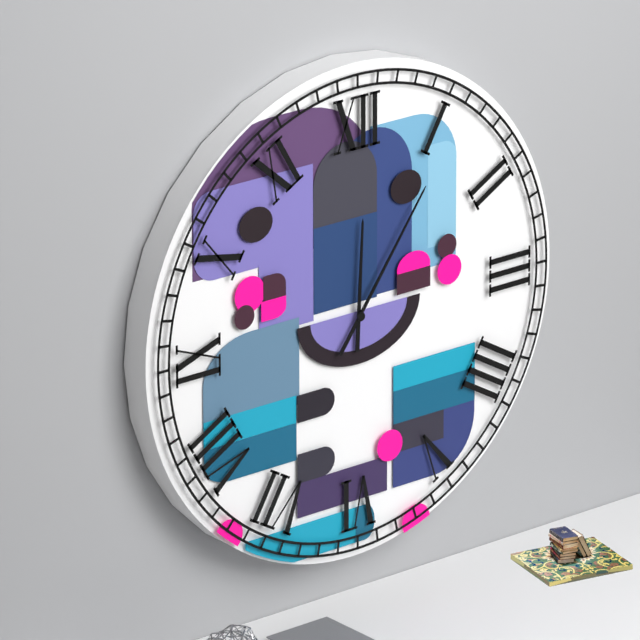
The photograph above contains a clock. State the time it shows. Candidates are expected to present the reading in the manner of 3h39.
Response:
12h06
